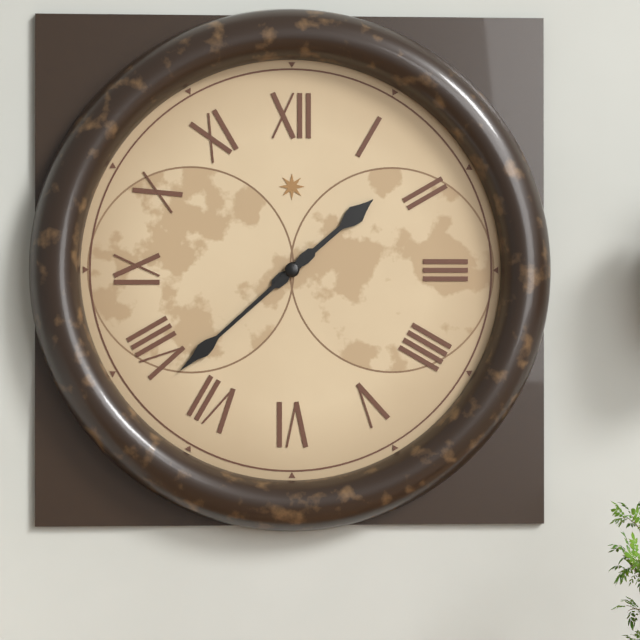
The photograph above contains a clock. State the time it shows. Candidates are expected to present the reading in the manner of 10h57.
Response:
1h38
